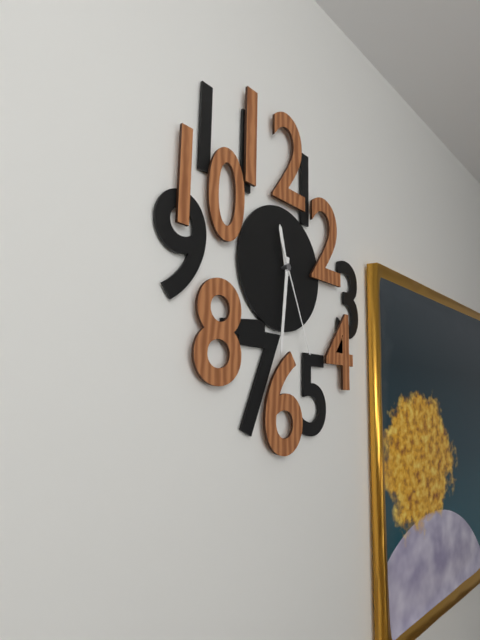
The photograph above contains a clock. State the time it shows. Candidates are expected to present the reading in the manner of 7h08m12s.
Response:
11h31m26s
